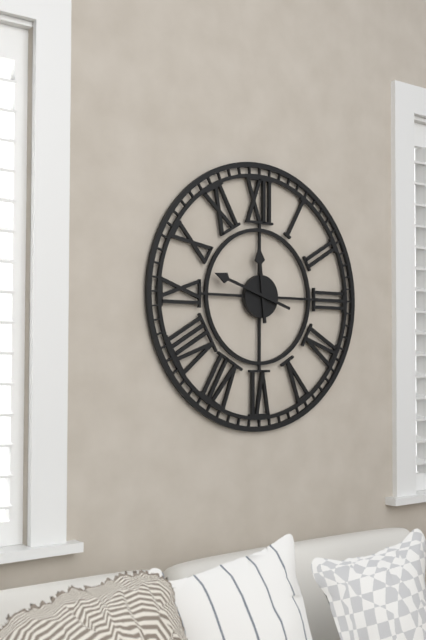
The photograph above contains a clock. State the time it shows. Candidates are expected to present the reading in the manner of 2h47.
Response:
11h48
